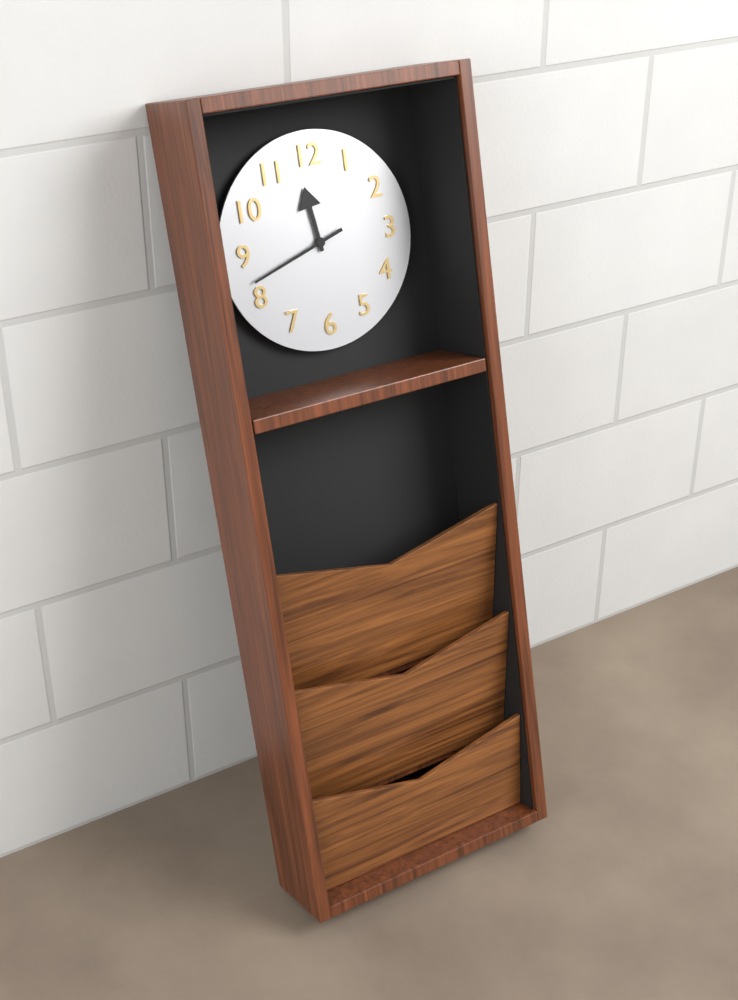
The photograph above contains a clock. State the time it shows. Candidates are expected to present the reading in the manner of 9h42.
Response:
11h42
